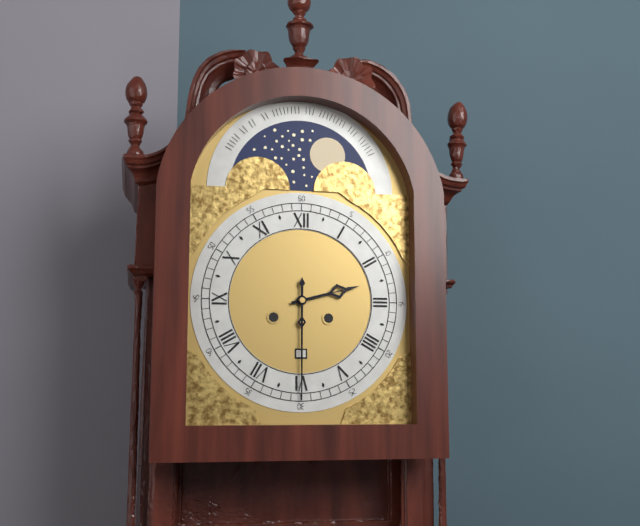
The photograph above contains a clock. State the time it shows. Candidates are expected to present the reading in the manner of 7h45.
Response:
2h30
